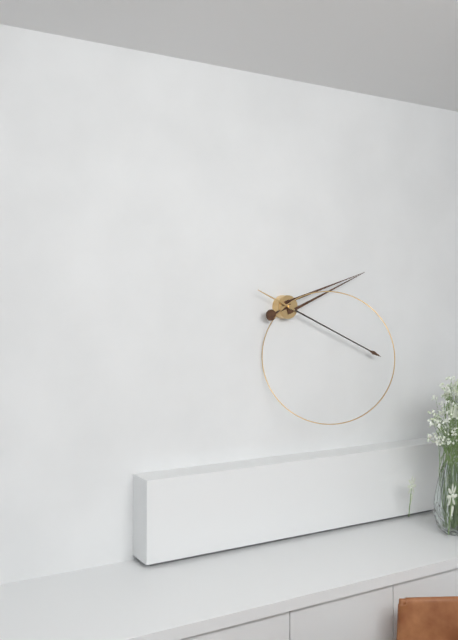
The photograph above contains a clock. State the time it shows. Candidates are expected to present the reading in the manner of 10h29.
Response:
2h19
